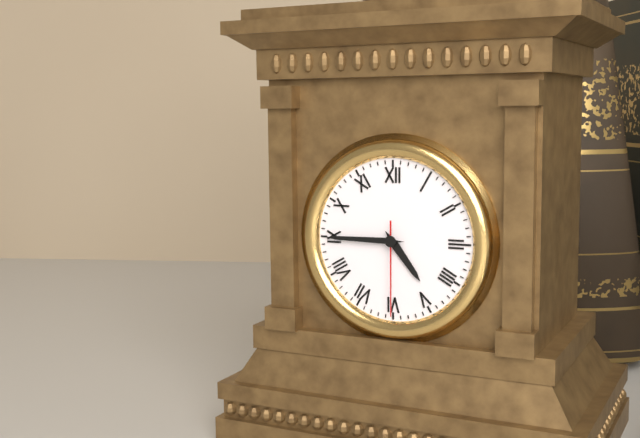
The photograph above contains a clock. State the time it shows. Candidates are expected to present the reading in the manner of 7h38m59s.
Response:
4h45m30s
